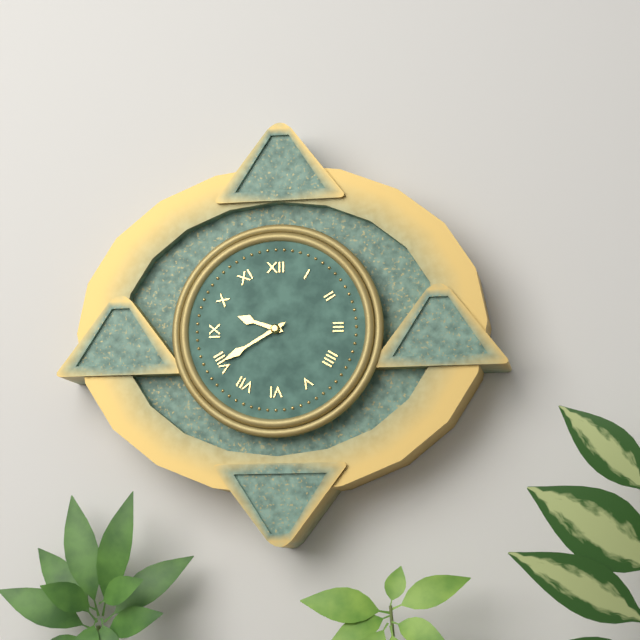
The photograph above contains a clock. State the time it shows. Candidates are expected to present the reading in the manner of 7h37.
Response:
9h40
